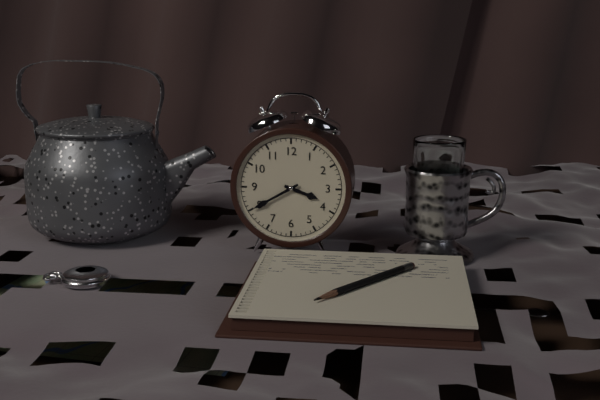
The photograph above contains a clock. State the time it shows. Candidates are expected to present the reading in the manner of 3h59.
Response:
3h40
